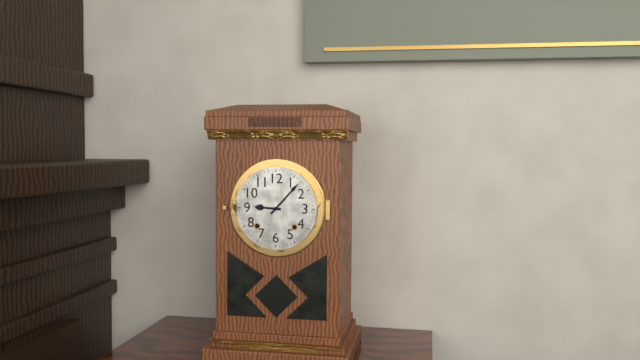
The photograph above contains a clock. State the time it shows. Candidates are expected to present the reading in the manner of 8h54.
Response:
9h07
